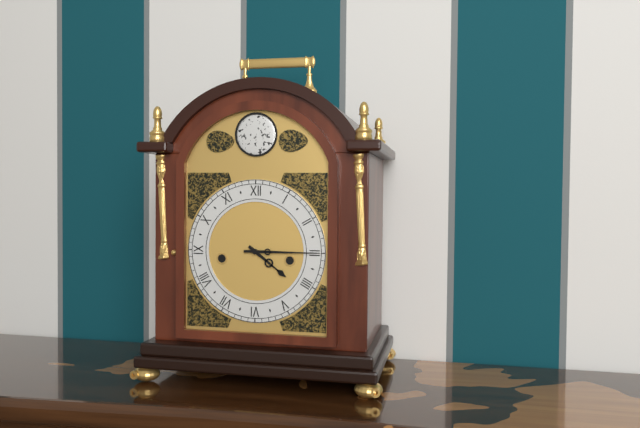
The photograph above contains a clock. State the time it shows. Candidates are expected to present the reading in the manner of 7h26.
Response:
4h15
